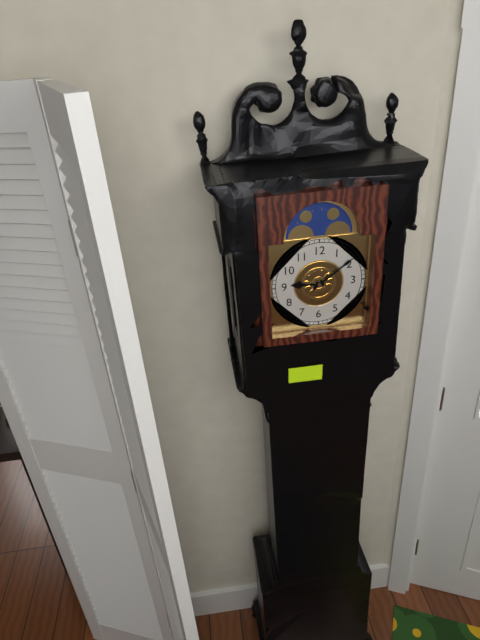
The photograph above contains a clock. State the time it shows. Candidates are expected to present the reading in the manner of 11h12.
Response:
9h09
